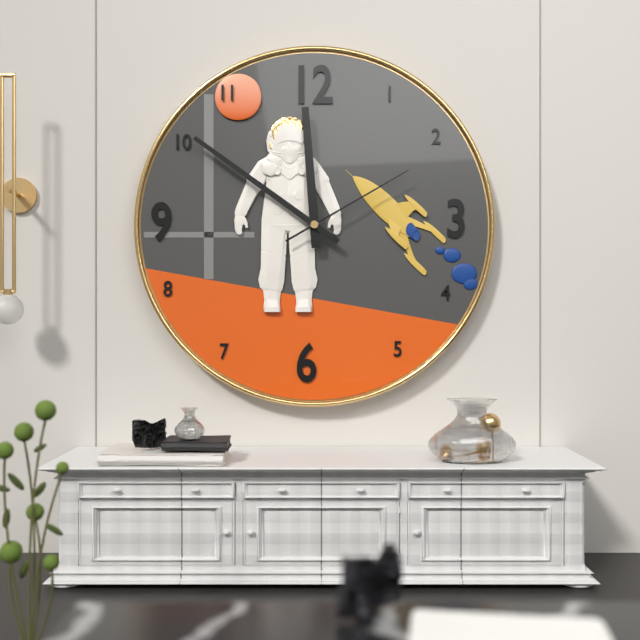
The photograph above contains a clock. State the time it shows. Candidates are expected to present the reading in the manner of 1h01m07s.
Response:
11h51m10s
